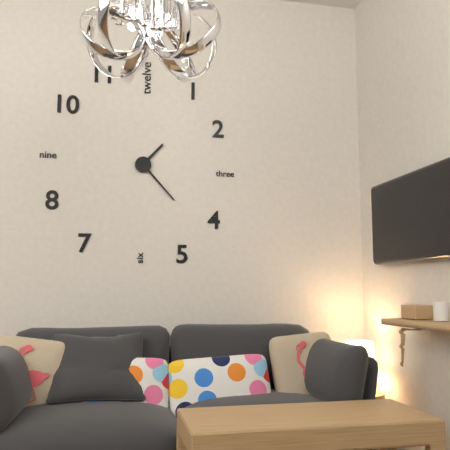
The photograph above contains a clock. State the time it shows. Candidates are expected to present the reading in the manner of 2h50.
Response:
1h23
